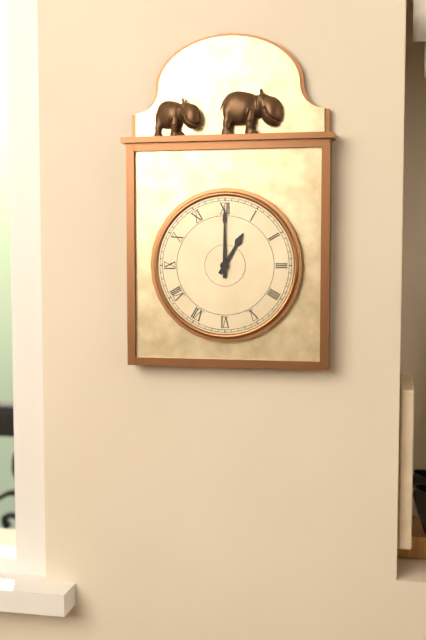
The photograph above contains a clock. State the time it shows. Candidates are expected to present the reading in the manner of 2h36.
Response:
1h00
